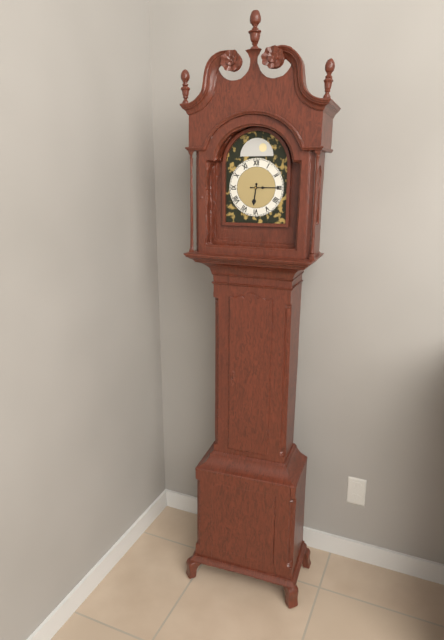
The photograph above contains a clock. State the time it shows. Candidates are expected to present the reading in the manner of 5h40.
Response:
6h15
